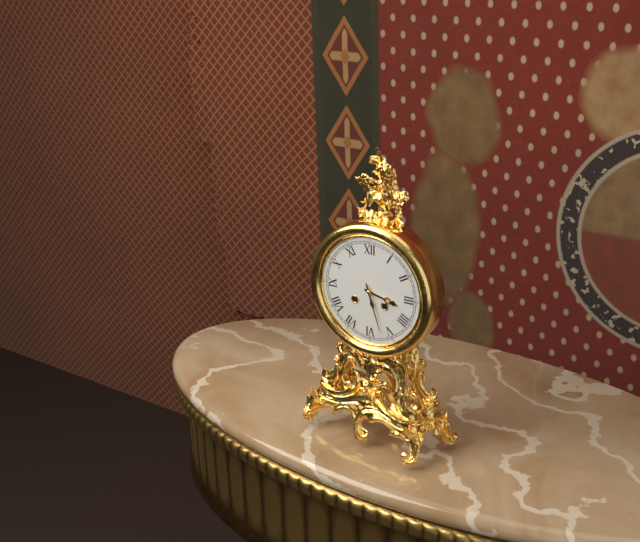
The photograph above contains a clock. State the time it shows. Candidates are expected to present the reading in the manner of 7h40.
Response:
3h27
